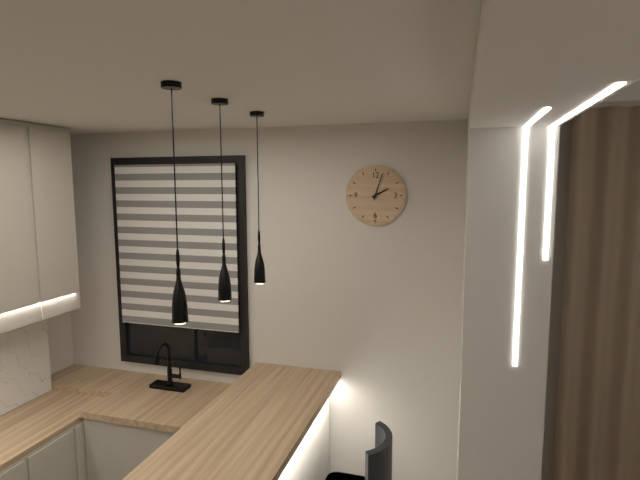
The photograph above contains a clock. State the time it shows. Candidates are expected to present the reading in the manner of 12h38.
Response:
2h03
